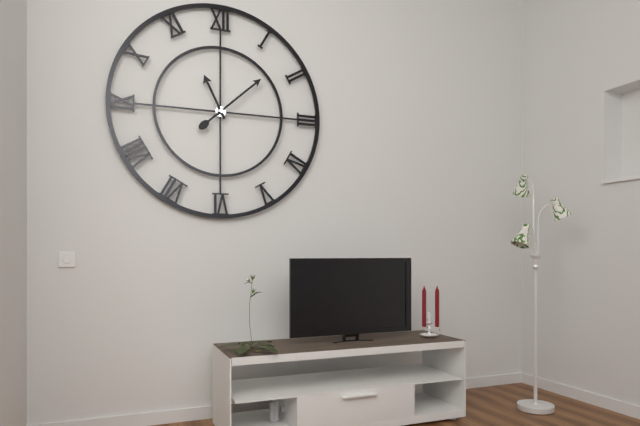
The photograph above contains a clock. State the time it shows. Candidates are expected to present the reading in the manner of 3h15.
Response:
11h08
